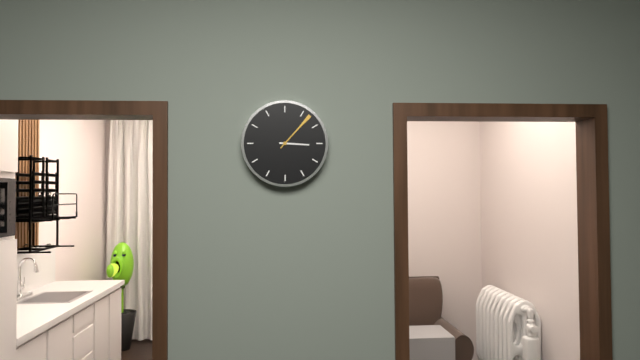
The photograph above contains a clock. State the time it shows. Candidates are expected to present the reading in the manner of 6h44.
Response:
3h07
